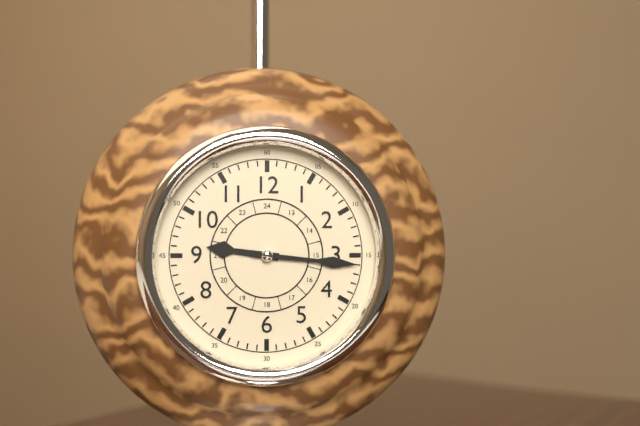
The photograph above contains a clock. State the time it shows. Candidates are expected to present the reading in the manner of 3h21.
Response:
9h16
